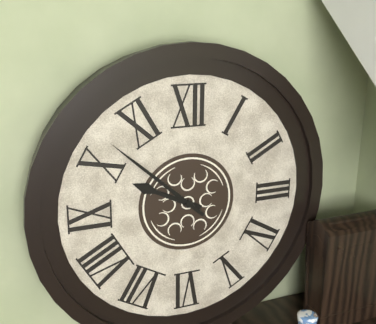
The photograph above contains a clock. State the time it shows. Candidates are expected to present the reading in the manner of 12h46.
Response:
9h52
